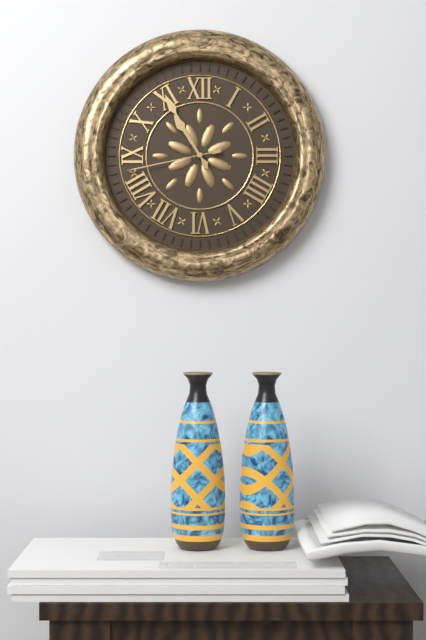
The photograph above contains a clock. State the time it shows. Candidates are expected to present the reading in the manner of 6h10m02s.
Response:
10h55m43s
